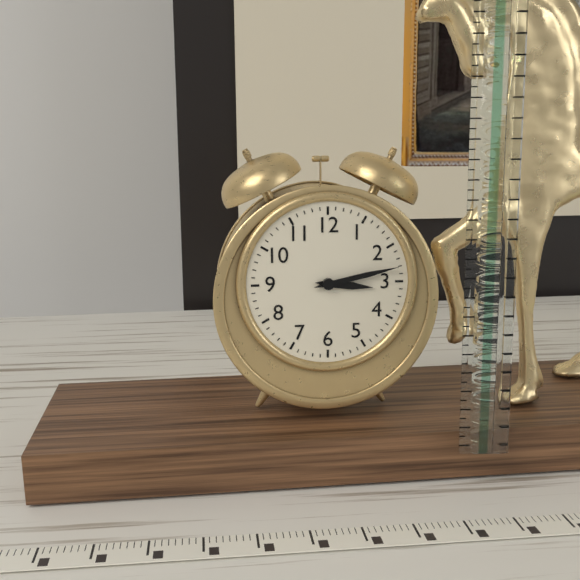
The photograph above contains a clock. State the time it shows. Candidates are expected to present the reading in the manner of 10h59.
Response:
3h13
